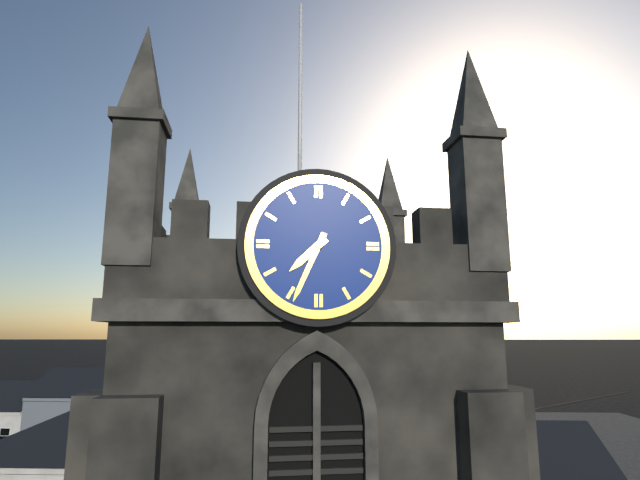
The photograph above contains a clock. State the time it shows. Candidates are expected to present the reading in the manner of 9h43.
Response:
7h34
